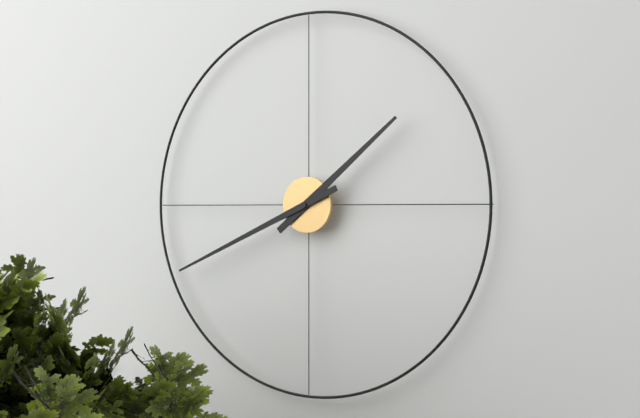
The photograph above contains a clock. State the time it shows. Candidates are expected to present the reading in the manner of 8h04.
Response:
1h41
